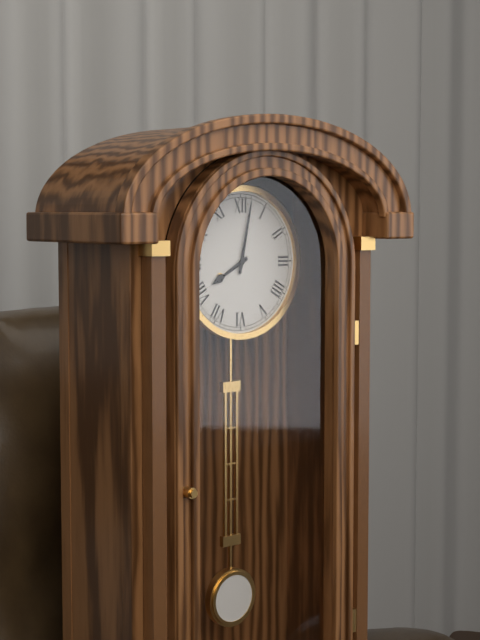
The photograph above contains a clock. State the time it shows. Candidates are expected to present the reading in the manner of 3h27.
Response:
8h02
